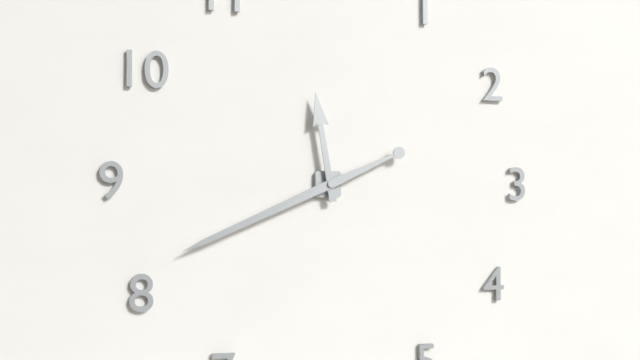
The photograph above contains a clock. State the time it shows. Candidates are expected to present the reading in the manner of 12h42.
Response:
11h41
